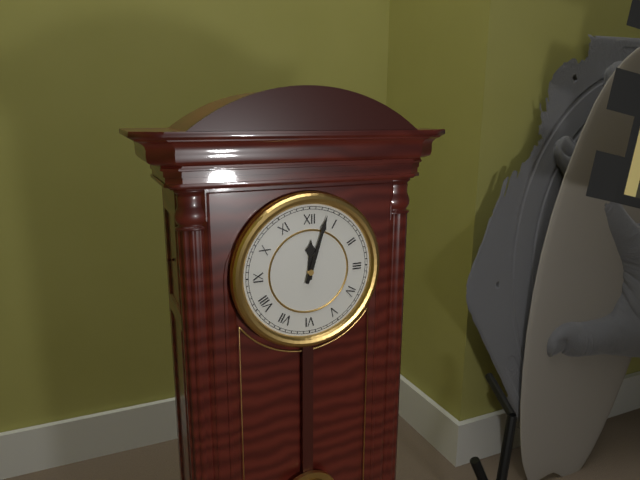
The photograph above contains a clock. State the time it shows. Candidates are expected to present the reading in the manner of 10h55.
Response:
12h03
